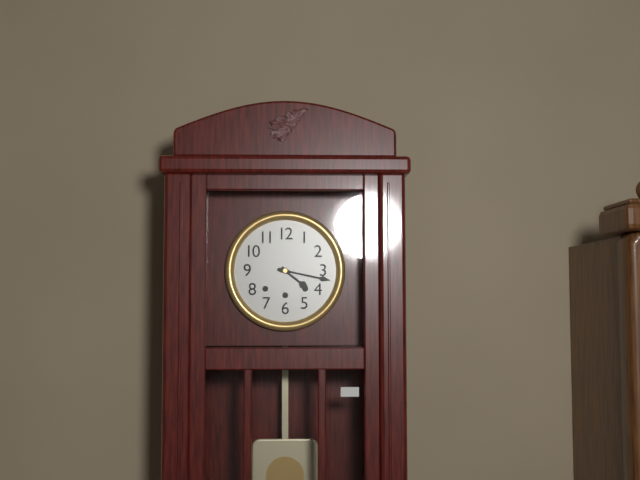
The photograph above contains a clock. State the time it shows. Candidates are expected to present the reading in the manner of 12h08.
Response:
4h17
